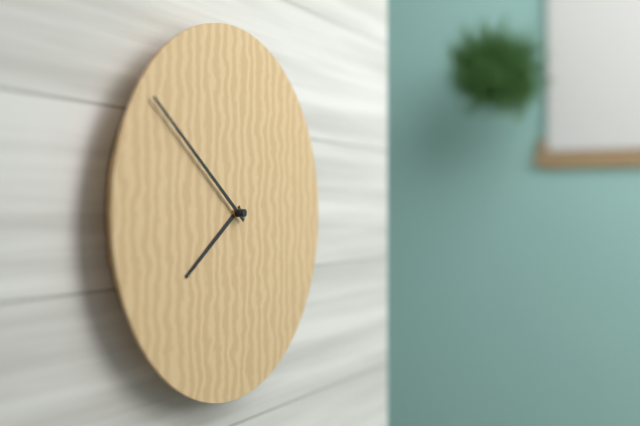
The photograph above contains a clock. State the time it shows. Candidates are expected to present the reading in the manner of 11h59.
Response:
7h51
